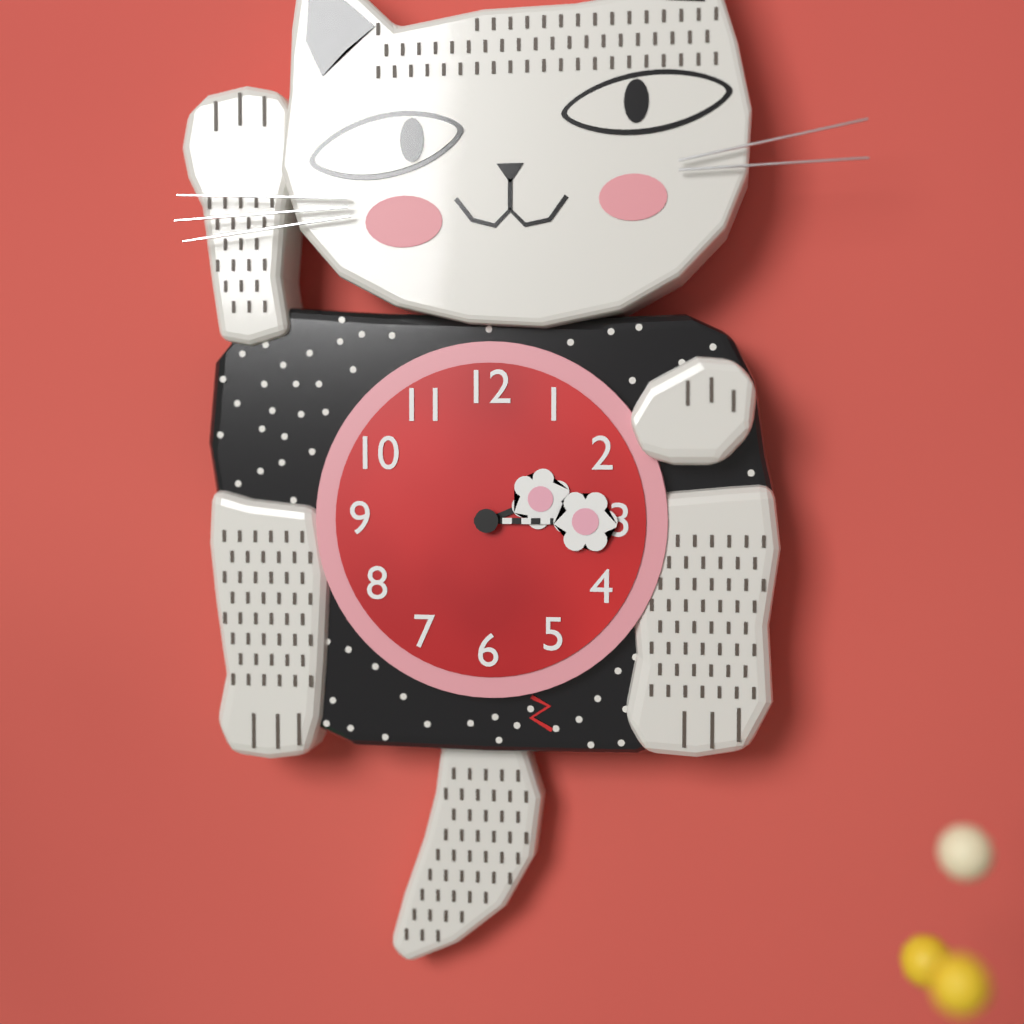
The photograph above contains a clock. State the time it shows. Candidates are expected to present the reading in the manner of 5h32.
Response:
2h15
